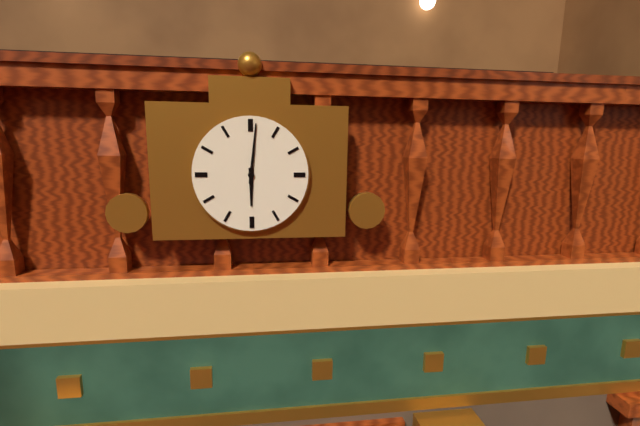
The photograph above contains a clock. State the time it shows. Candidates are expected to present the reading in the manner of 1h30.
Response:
6h01
